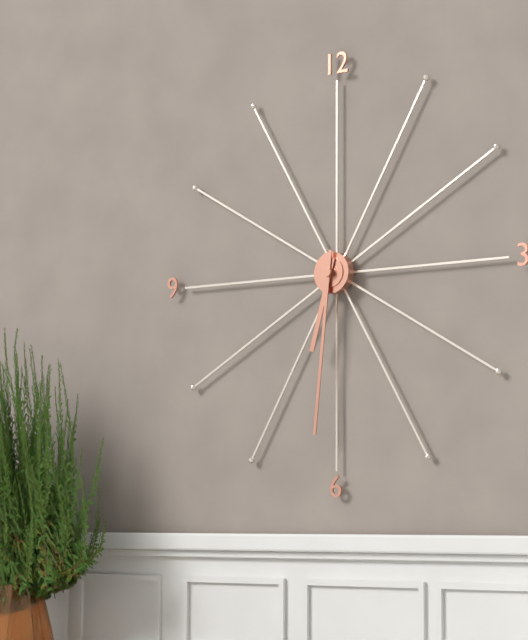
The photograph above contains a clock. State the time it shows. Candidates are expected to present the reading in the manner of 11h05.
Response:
6h31
